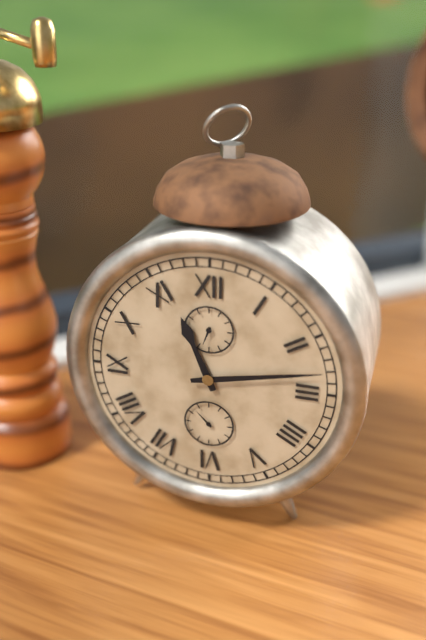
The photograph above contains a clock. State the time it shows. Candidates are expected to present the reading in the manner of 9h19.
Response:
11h13
